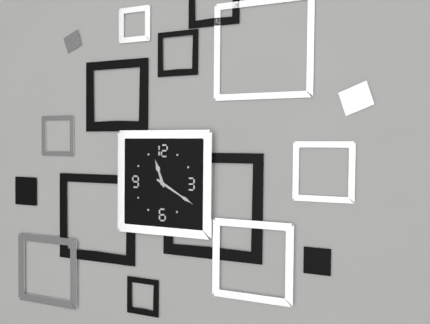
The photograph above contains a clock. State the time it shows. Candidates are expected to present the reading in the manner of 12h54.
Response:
11h20
